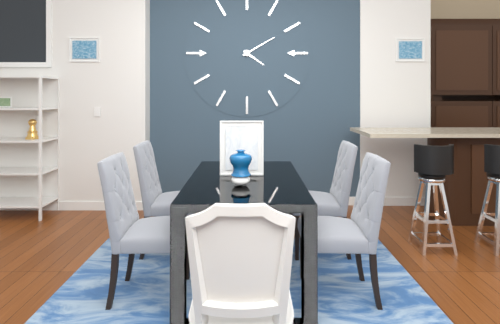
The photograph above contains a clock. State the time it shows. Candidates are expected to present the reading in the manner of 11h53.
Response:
4h10
